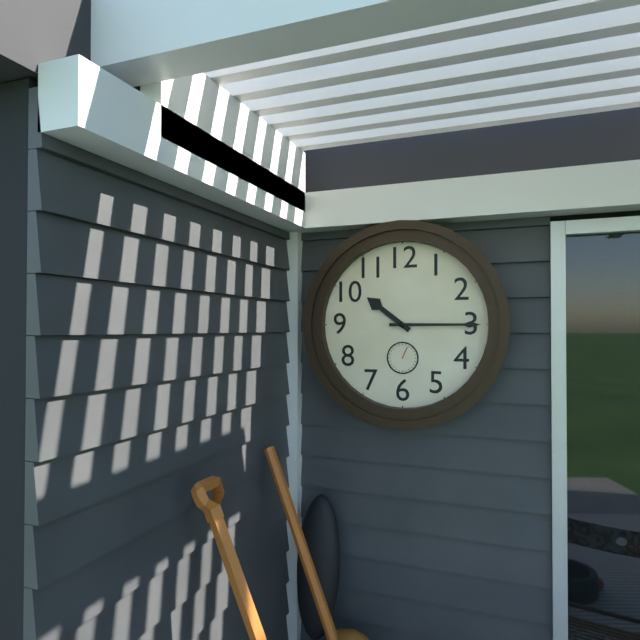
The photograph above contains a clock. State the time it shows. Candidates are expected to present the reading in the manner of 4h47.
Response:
10h15
